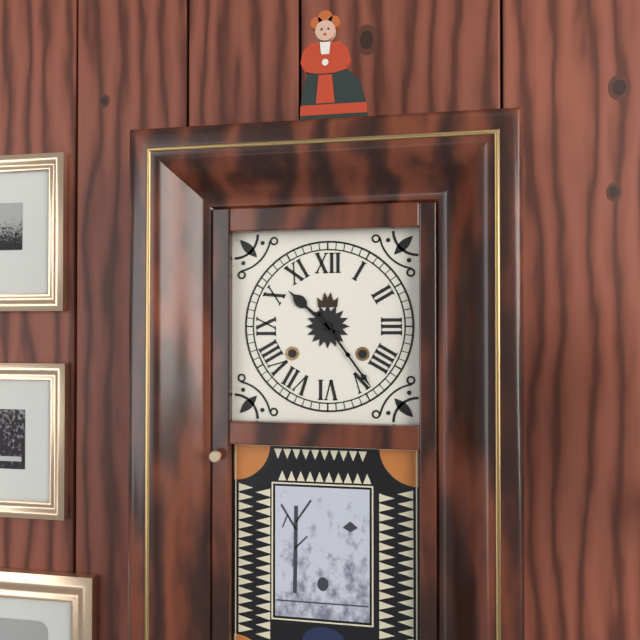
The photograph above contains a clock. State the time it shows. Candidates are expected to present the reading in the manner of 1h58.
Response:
10h24
